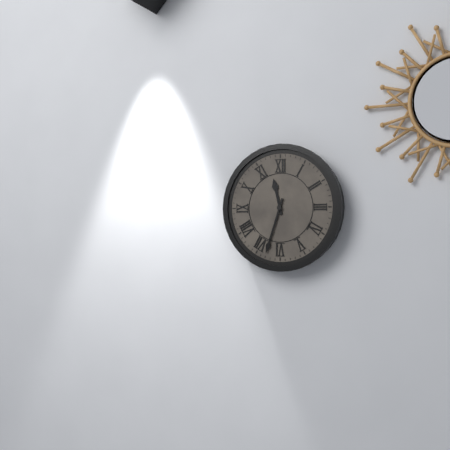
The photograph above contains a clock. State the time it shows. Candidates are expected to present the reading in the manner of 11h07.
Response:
11h33
